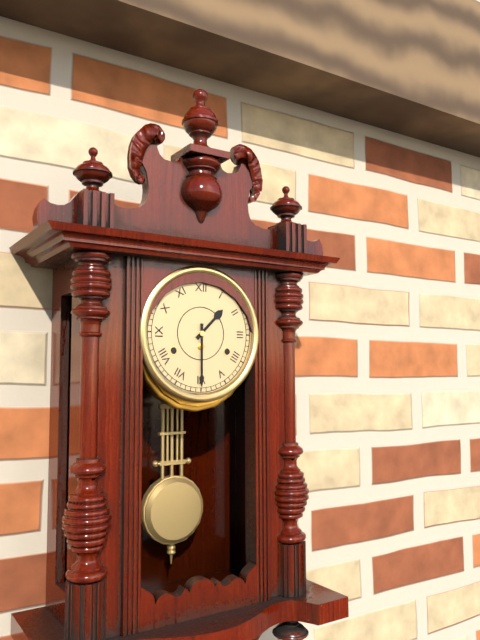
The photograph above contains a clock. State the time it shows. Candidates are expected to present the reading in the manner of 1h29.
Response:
1h30
